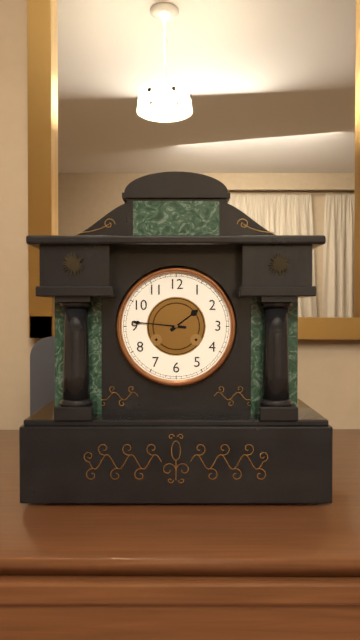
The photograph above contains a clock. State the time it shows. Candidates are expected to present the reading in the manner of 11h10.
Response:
1h46
